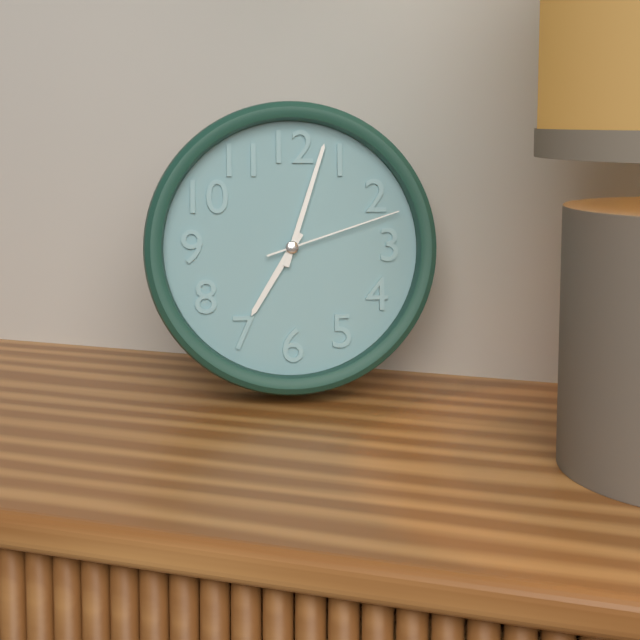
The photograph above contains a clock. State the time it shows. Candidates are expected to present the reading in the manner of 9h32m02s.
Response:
7h03m12s
